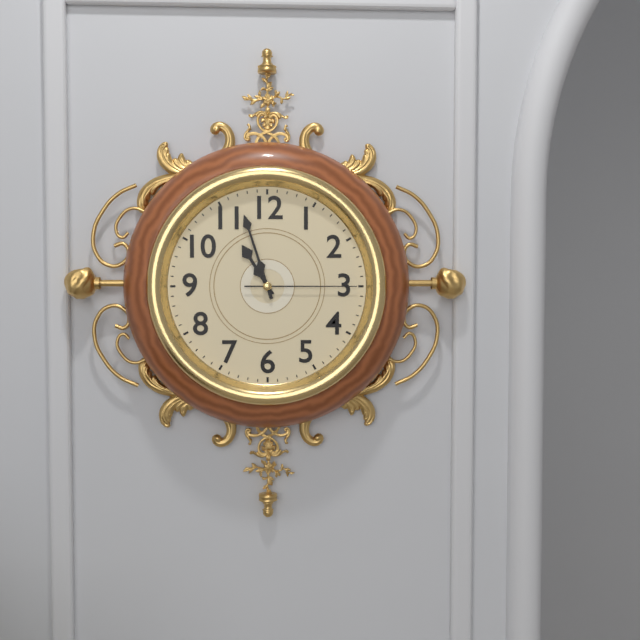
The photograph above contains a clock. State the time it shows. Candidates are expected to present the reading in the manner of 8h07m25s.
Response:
10h57m15s
